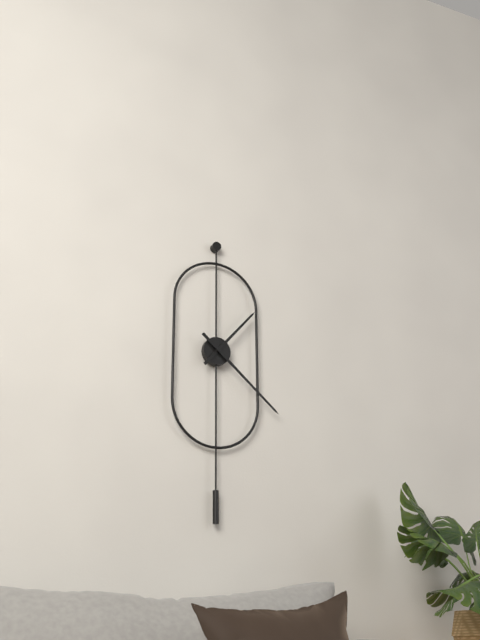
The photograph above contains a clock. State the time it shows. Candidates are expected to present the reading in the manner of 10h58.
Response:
1h22
